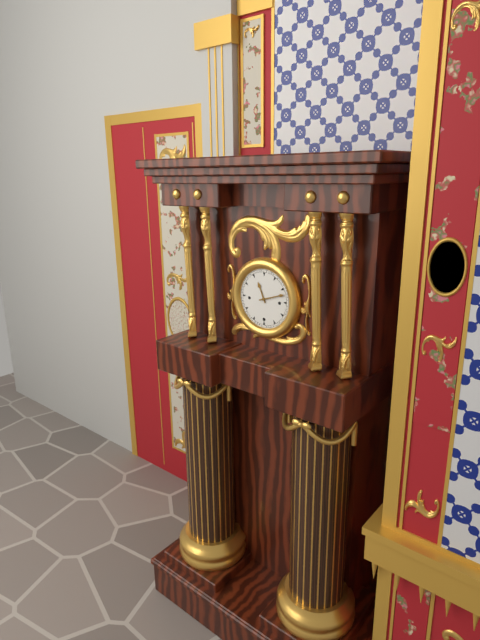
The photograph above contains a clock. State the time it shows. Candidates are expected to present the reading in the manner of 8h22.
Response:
11h12
